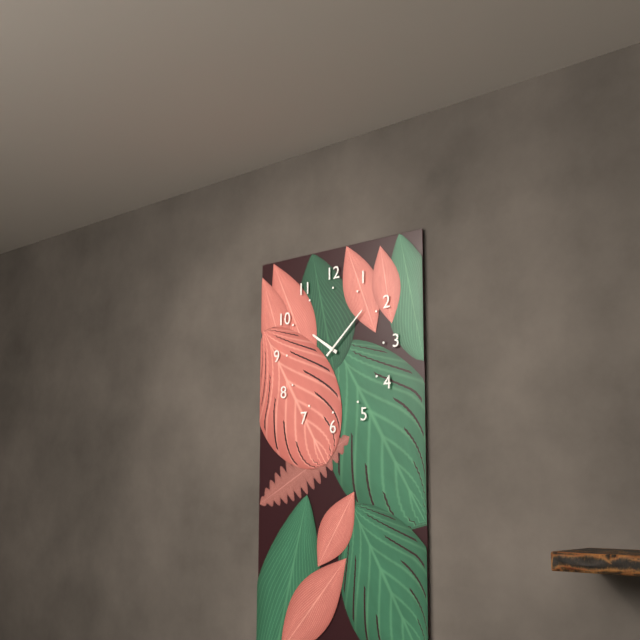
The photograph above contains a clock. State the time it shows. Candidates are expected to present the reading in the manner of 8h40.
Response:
10h08
